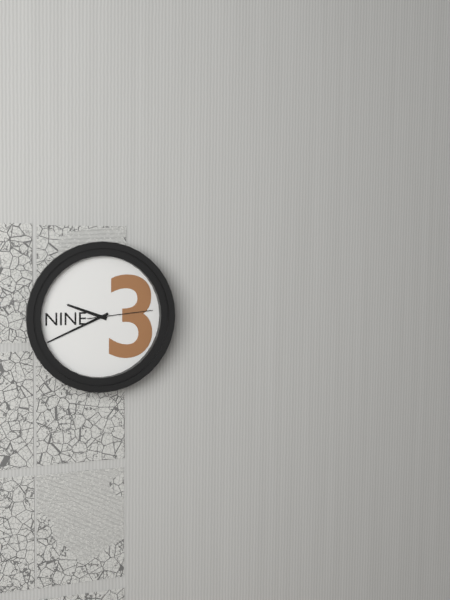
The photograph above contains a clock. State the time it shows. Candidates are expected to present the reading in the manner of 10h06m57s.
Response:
9h41m14s
